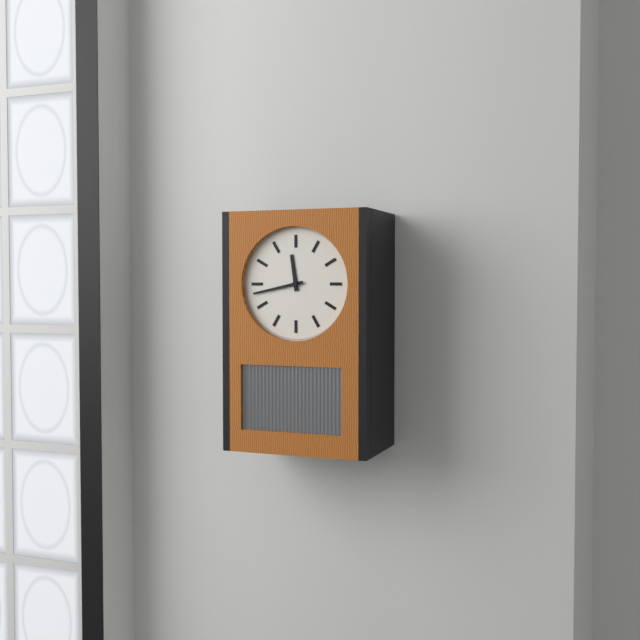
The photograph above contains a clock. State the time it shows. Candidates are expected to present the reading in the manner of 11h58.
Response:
11h43
